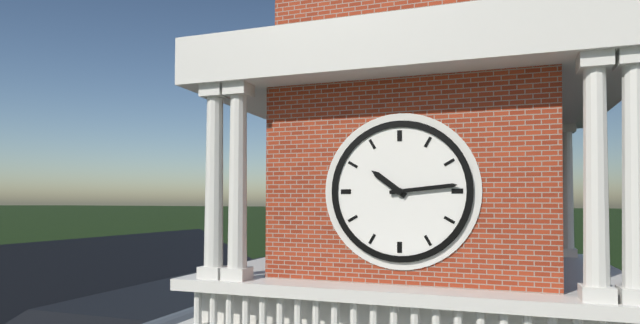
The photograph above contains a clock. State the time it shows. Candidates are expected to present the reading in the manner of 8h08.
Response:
10h14
